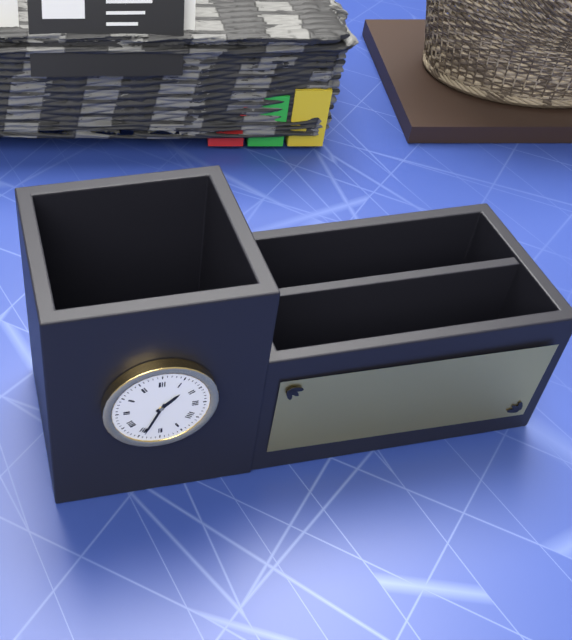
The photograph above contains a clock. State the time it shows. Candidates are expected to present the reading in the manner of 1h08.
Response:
1h34
